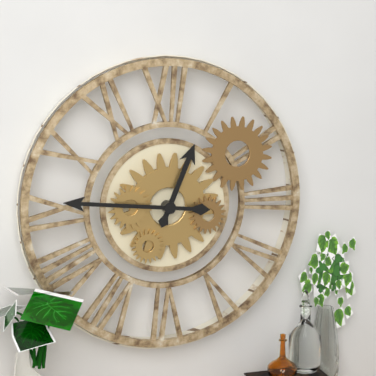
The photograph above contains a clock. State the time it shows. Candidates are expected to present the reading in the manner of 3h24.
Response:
12h46
